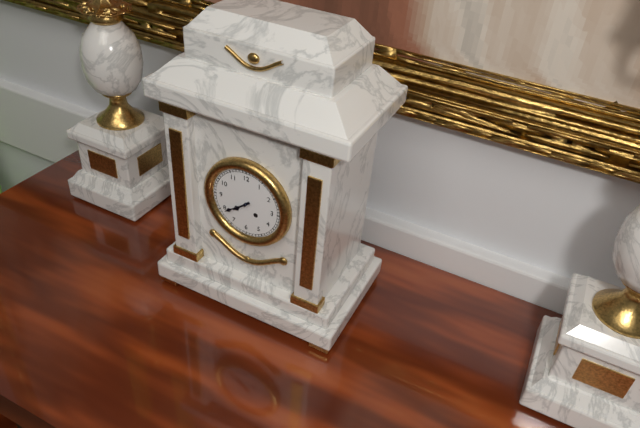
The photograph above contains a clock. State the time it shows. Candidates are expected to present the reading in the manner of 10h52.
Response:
7h39
